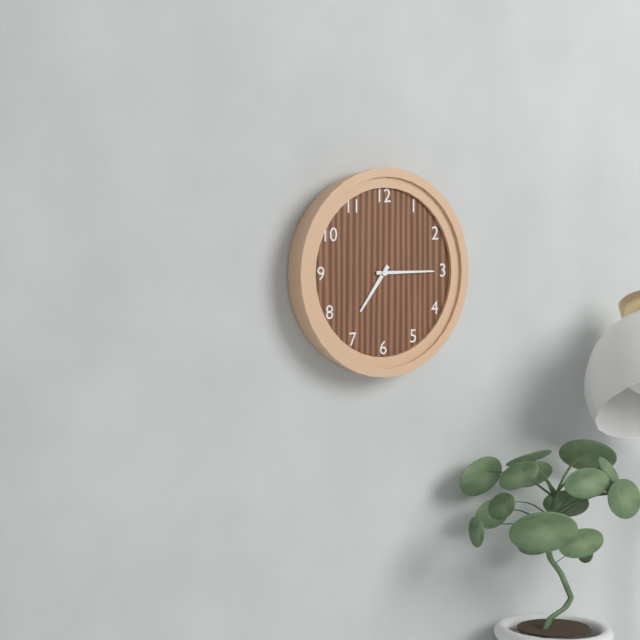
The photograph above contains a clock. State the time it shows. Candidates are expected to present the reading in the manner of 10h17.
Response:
7h15
